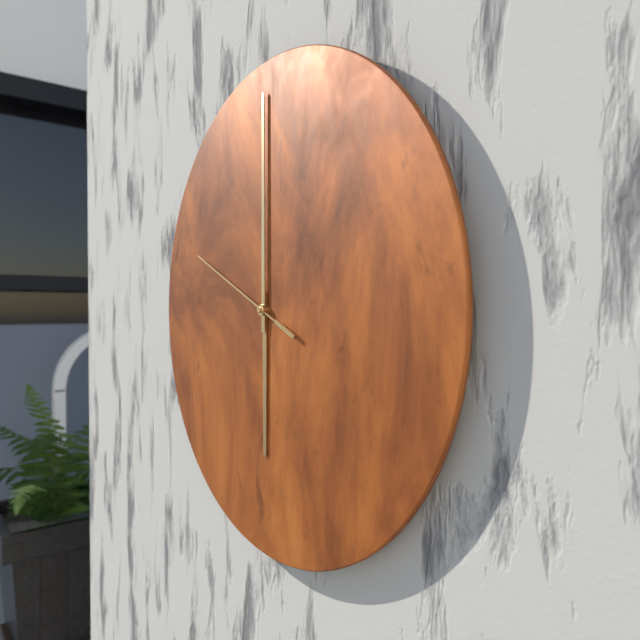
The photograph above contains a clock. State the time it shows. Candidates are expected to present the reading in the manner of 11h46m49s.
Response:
6h00m49s
